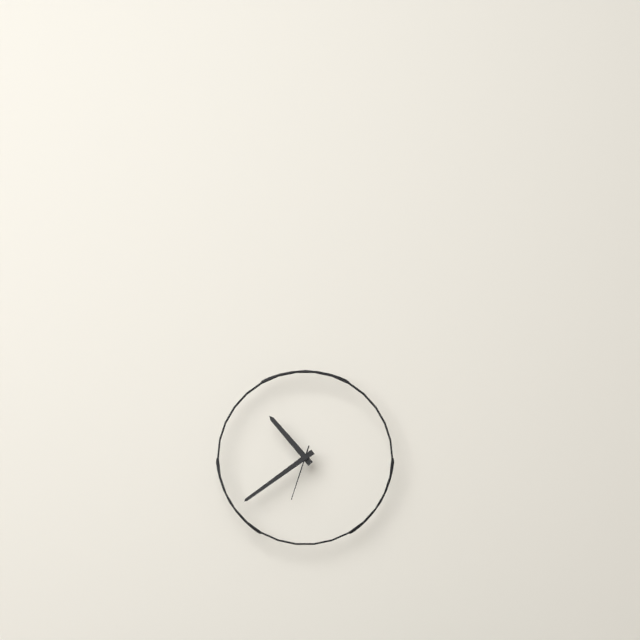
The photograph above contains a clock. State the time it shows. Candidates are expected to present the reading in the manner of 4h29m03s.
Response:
10h39m33s
